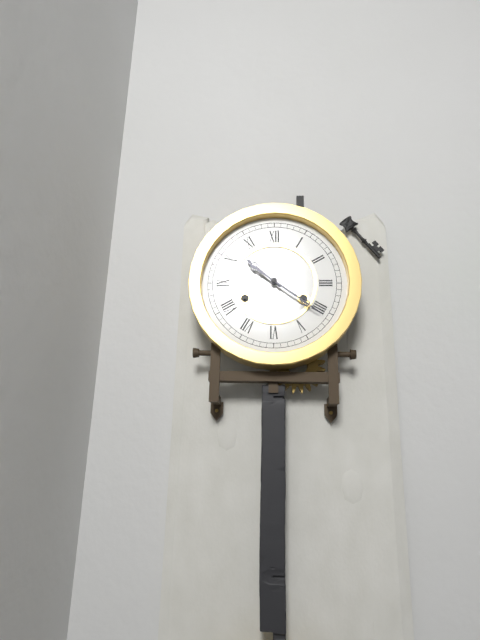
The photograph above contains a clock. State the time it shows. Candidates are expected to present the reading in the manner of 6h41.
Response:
10h21
